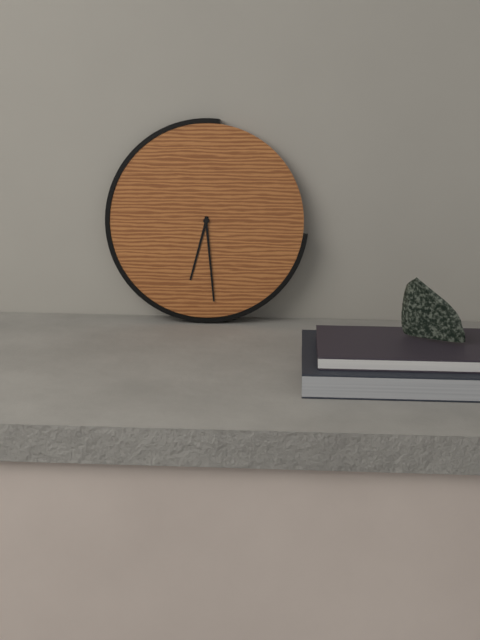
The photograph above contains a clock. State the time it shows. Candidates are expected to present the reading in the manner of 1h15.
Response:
6h29
